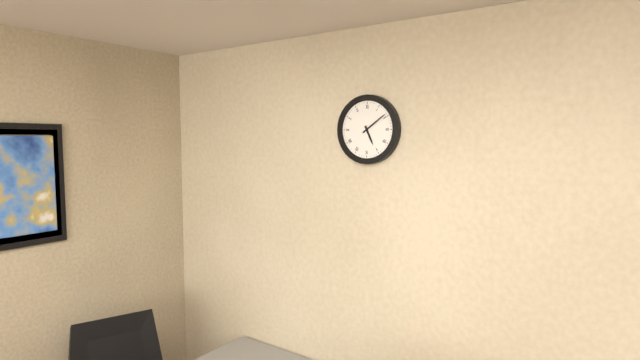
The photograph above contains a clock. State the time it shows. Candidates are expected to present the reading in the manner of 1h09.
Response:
5h09
